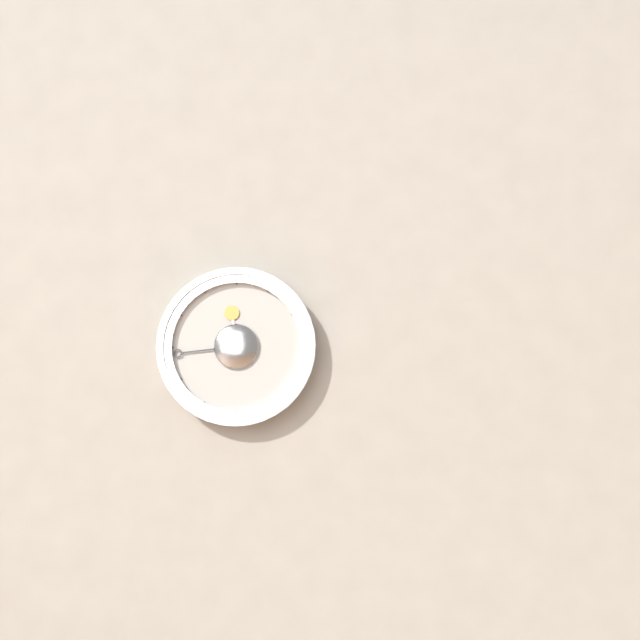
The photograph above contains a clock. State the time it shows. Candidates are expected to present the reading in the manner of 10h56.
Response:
11h44
